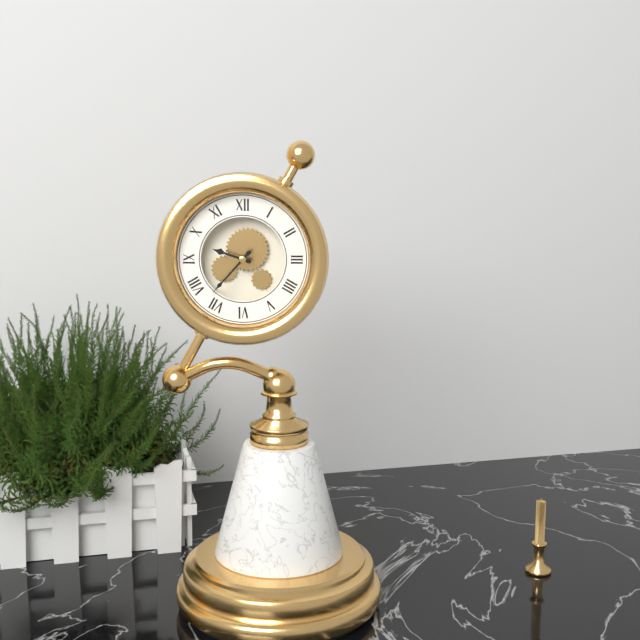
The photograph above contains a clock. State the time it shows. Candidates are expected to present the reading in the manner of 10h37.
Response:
9h37
